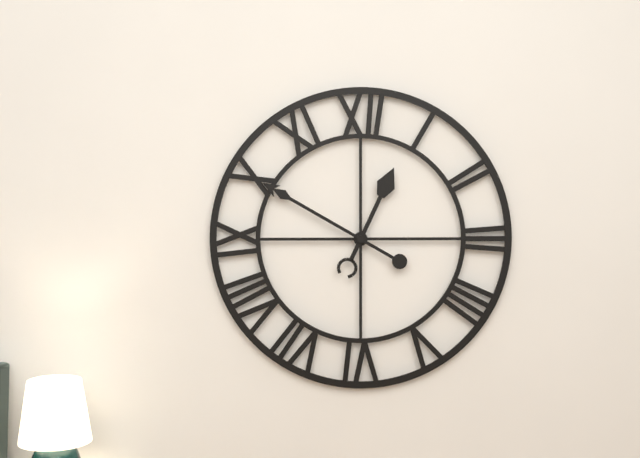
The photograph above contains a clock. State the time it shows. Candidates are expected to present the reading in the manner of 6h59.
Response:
12h50
